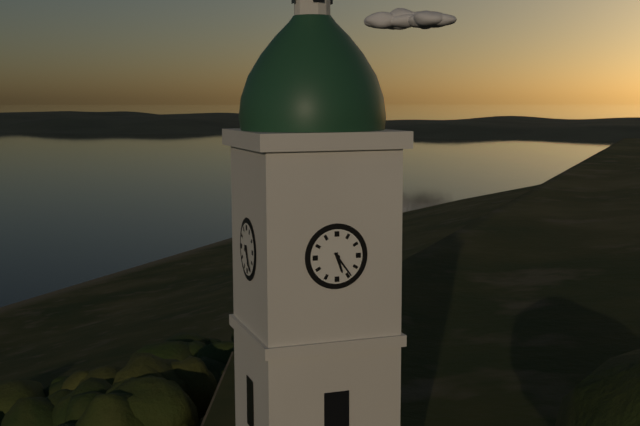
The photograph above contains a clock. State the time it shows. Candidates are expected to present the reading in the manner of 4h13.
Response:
5h24
